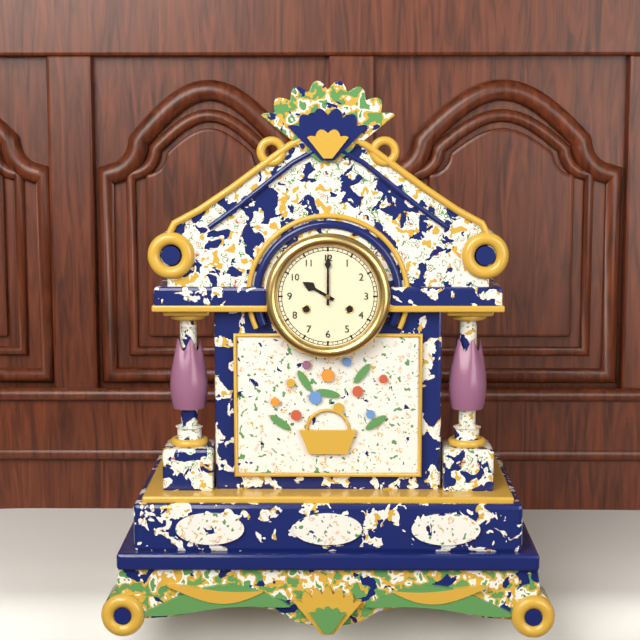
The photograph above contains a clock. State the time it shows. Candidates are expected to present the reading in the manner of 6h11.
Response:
10h00
